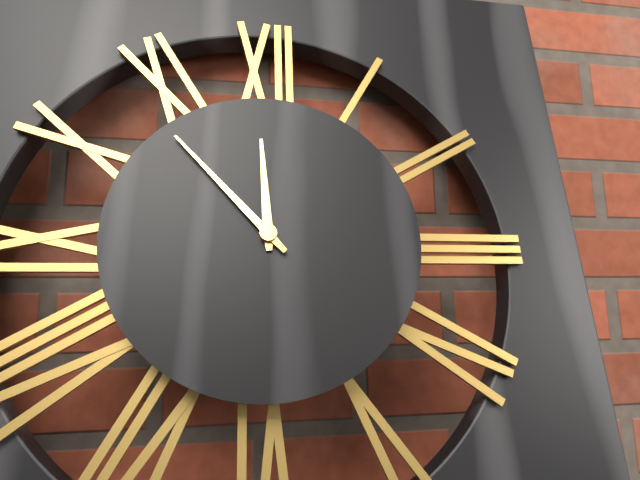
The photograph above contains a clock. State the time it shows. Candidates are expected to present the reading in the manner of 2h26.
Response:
11h53
